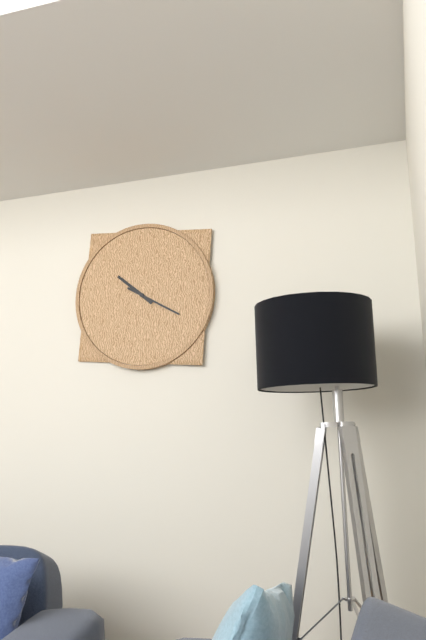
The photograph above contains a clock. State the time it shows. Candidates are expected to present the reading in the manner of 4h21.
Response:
10h20
